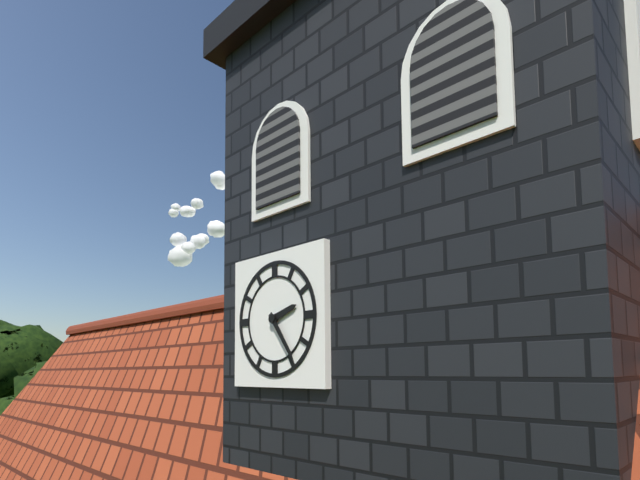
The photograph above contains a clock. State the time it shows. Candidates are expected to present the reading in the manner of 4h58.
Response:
2h24
